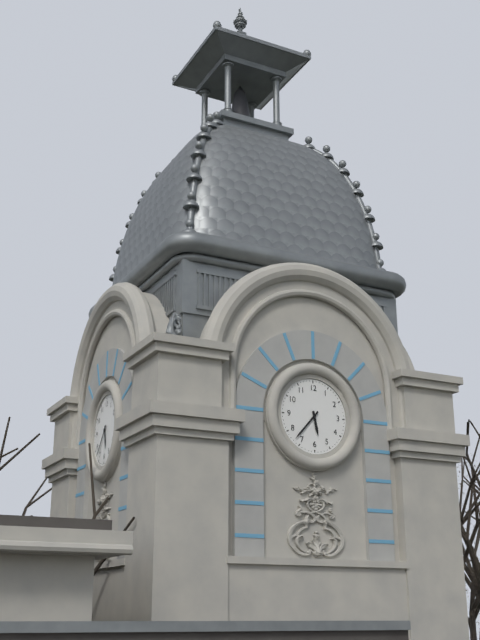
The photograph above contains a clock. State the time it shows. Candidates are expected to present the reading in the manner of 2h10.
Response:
5h37
